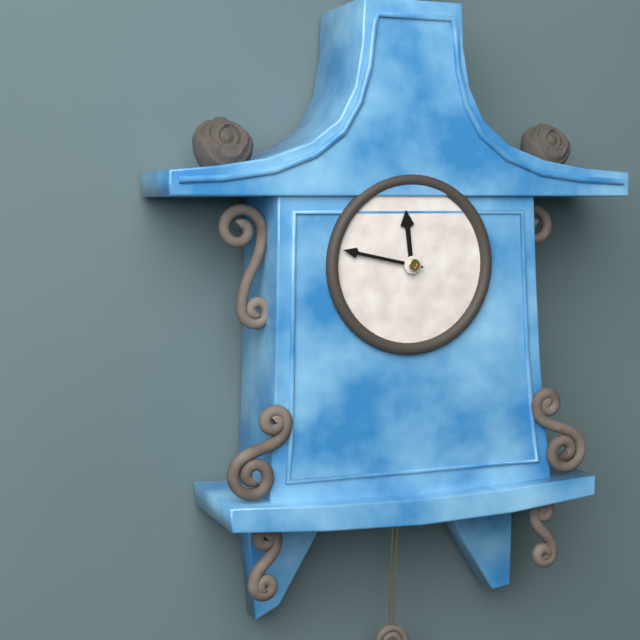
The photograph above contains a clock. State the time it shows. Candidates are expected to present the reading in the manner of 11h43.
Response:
11h47
